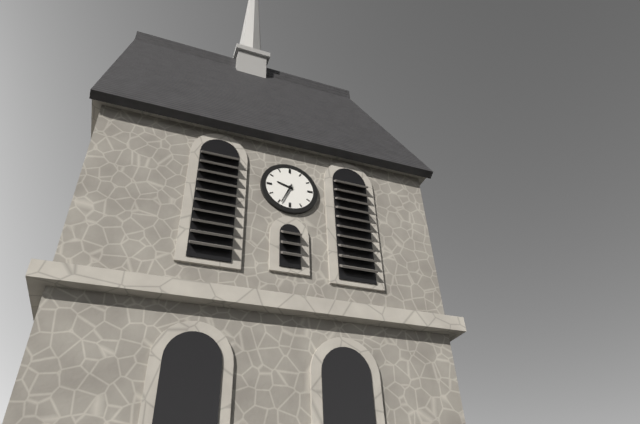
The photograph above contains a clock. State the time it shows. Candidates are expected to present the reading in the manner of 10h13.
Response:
9h34
